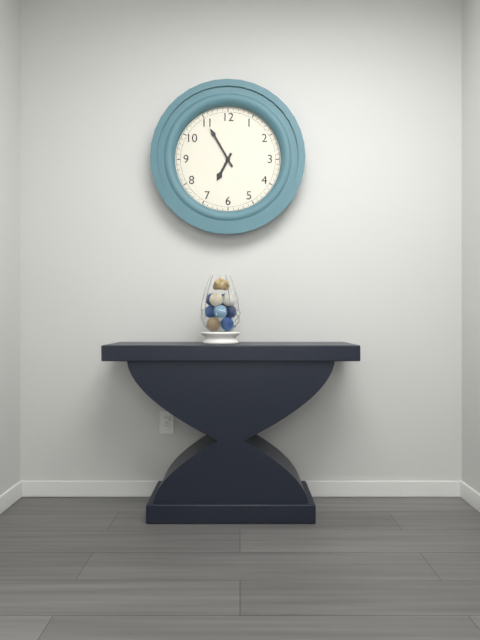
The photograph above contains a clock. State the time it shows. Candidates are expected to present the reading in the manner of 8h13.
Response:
6h55
